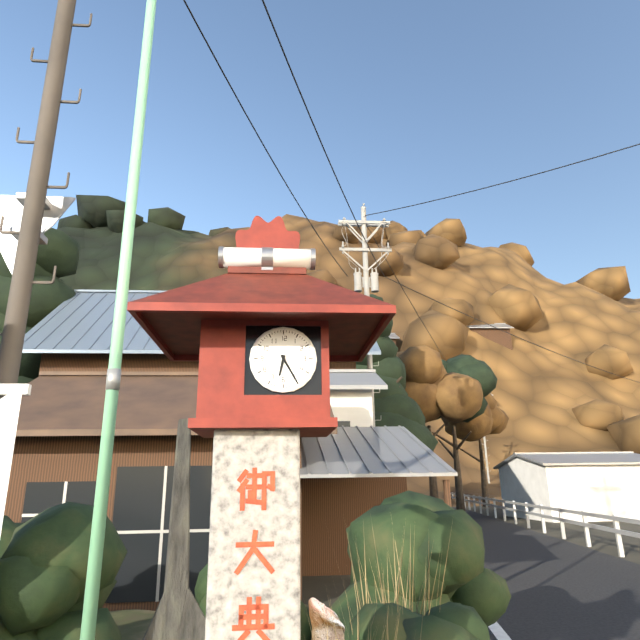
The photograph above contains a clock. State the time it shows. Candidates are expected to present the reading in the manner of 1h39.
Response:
6h25
